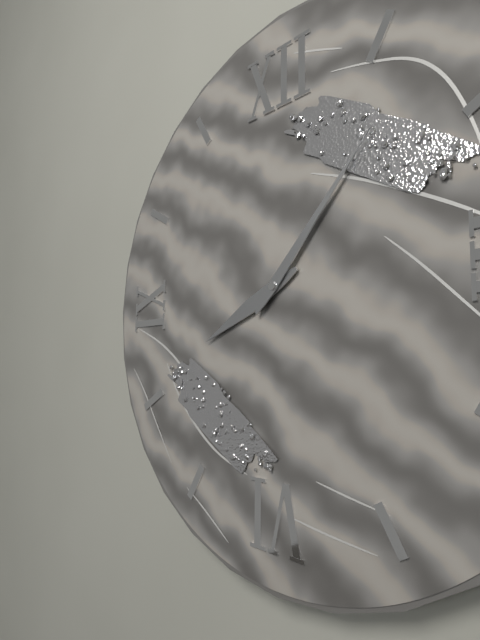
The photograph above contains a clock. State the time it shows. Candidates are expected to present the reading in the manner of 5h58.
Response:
8h07
